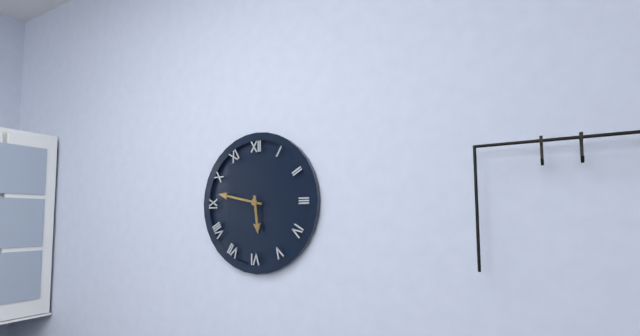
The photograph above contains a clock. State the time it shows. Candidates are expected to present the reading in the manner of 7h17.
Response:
5h47
